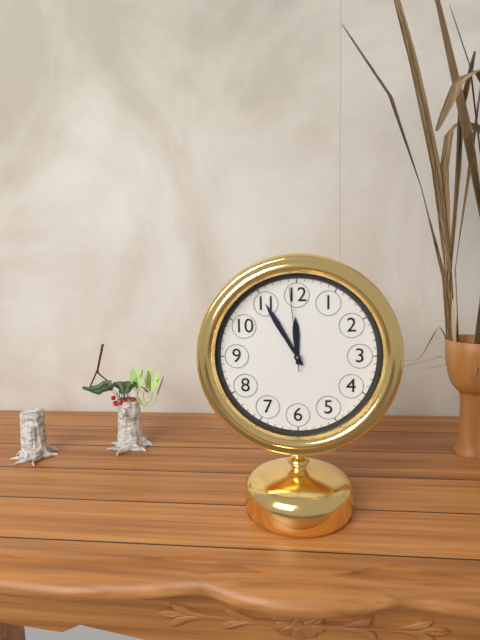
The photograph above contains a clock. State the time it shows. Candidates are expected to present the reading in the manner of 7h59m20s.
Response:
11h55m59s
